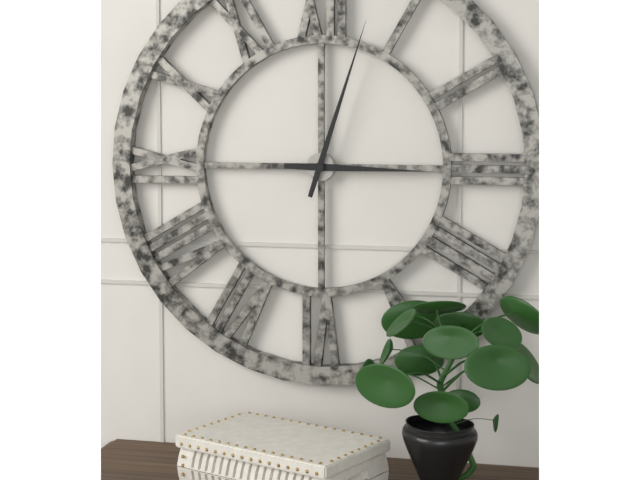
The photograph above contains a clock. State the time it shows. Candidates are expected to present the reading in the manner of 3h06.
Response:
3h03
